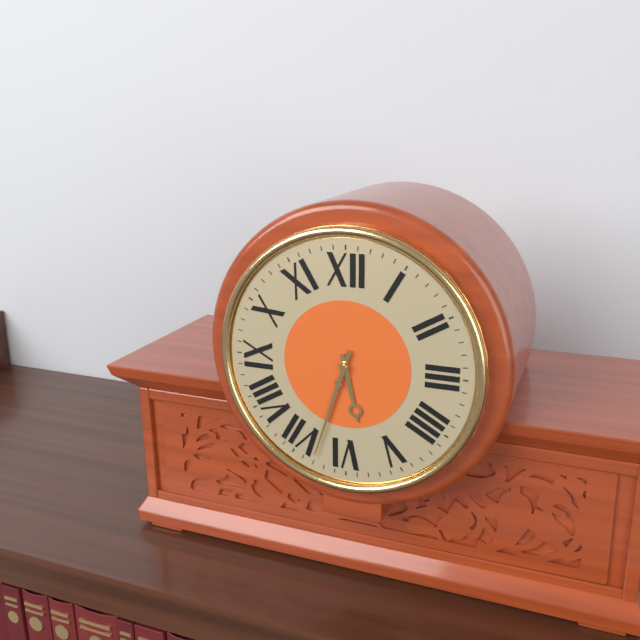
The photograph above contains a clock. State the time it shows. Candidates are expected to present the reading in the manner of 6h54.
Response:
5h33
